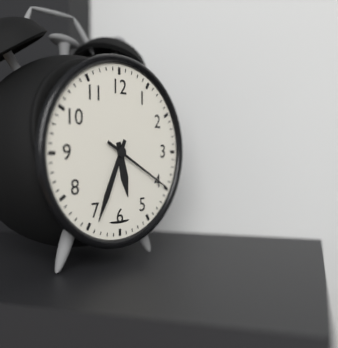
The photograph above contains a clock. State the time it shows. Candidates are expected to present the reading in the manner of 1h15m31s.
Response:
5h34m20s
